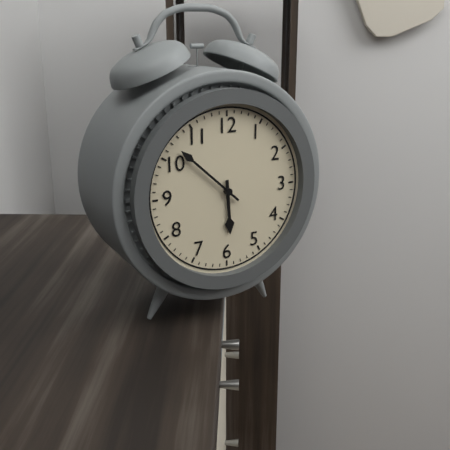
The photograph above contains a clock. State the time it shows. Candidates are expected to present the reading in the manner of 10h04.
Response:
5h52
